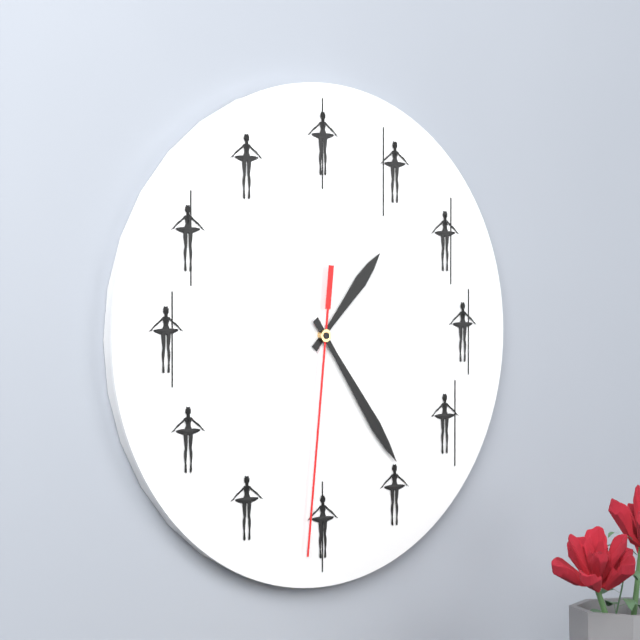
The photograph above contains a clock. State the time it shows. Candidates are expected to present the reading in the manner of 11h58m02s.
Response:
1h24m31s
